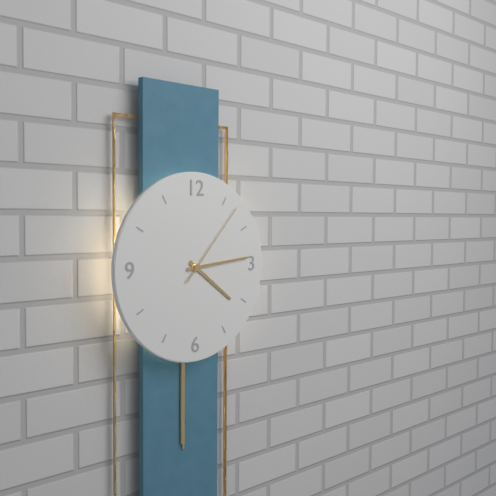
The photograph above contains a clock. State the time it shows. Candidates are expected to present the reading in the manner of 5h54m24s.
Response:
4h14m07s
